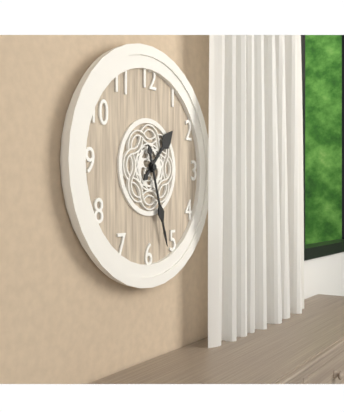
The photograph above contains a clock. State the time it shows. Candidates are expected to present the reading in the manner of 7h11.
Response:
1h27
